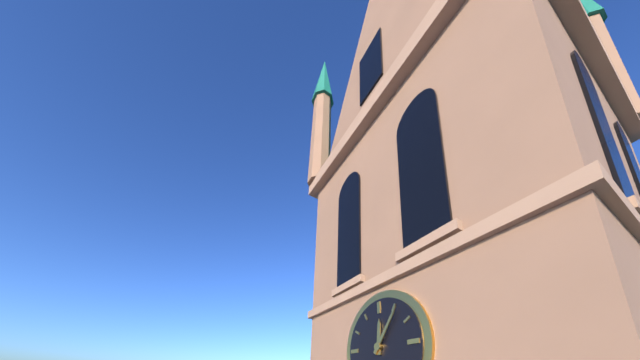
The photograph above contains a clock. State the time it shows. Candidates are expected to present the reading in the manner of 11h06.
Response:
12h06
